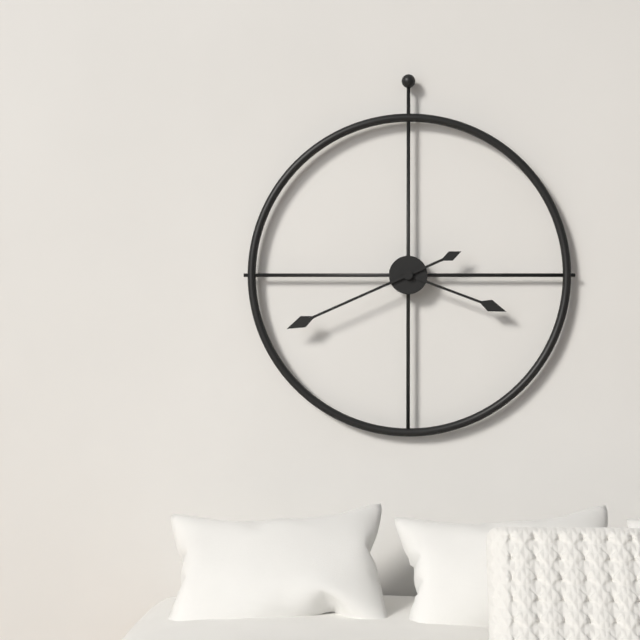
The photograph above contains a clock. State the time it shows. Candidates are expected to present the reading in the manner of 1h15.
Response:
3h41
